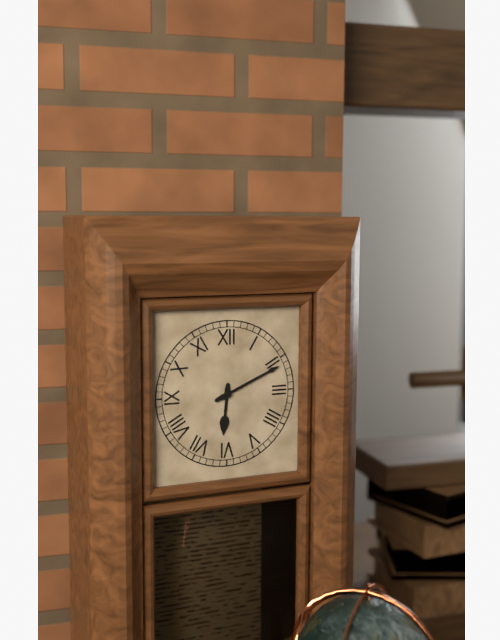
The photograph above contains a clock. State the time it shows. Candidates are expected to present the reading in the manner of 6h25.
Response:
6h11
